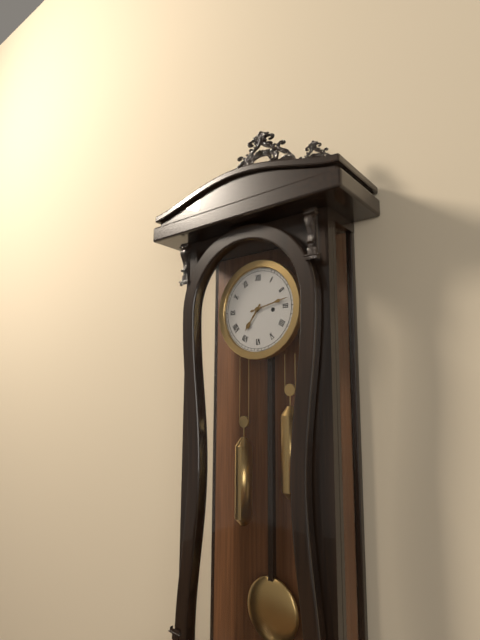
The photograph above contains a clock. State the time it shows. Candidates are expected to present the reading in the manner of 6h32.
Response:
7h13
